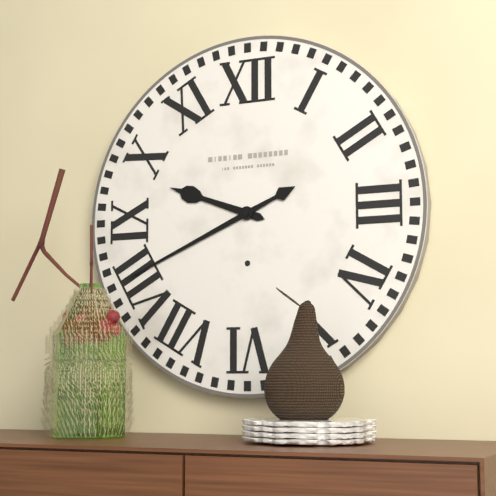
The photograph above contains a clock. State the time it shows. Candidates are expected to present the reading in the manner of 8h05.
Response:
9h41
